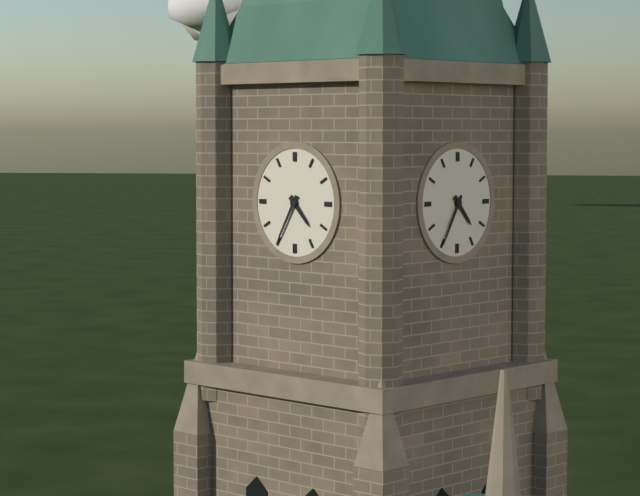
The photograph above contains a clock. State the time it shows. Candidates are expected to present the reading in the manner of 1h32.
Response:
4h35
